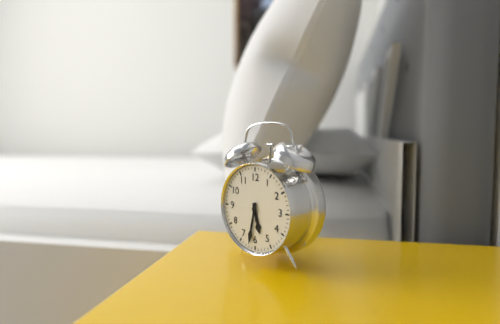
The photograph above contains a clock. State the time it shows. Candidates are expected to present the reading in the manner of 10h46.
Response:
5h32
